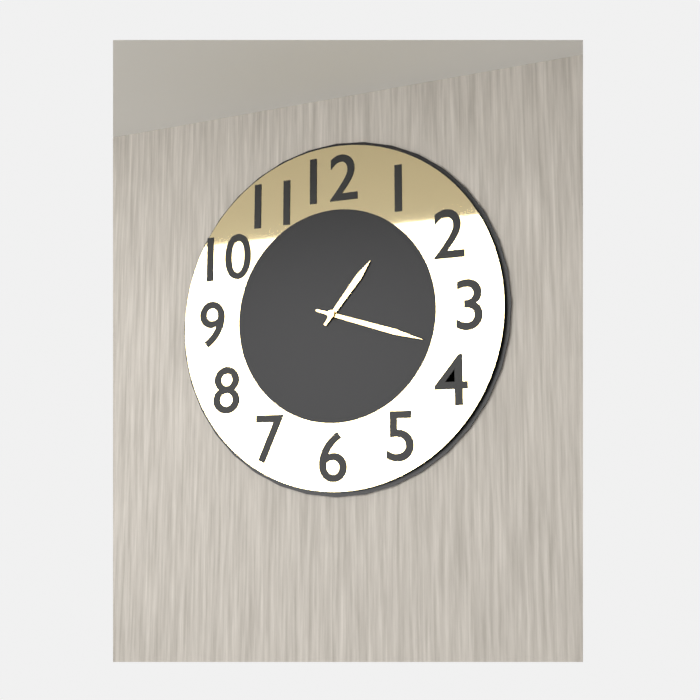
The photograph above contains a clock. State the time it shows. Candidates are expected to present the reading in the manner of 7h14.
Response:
1h18
